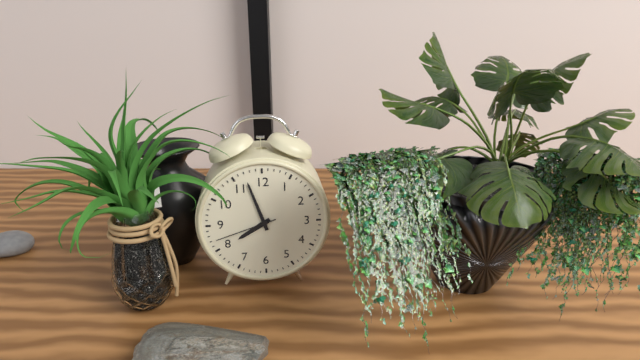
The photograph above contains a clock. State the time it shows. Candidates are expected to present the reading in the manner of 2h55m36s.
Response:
7h57m42s
